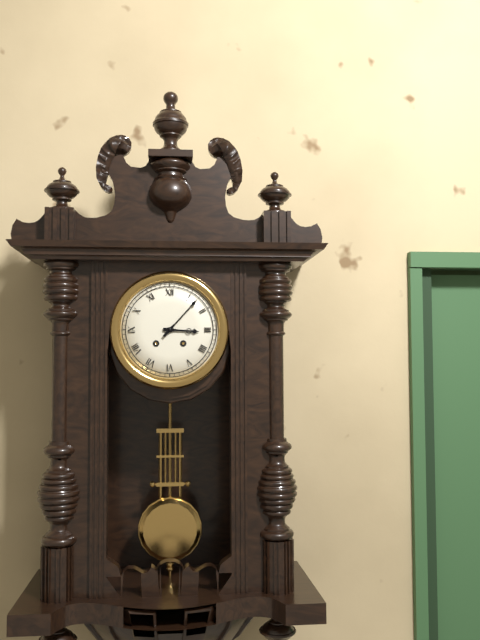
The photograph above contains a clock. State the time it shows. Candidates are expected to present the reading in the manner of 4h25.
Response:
3h07
